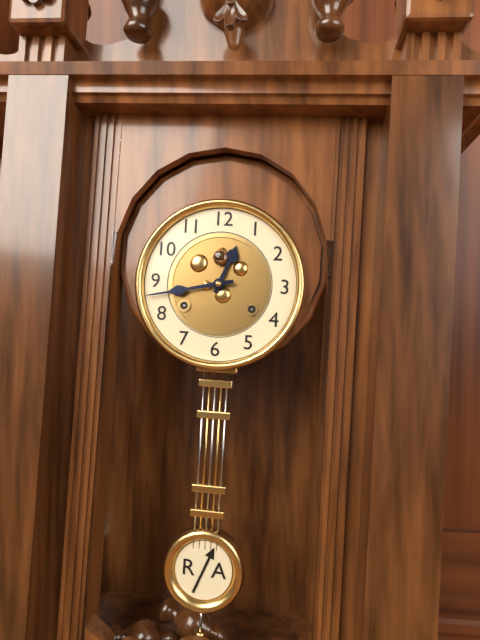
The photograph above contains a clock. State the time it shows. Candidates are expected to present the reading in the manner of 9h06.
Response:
12h43
